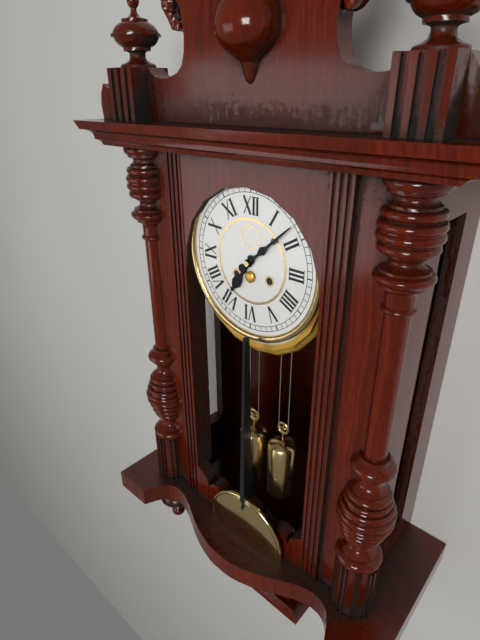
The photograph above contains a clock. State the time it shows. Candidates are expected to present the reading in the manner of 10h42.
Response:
7h08
